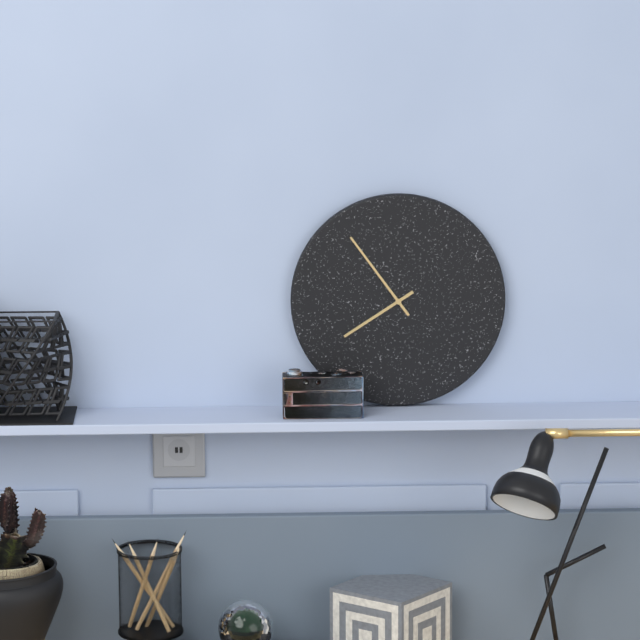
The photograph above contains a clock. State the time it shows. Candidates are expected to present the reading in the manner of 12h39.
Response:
7h54
